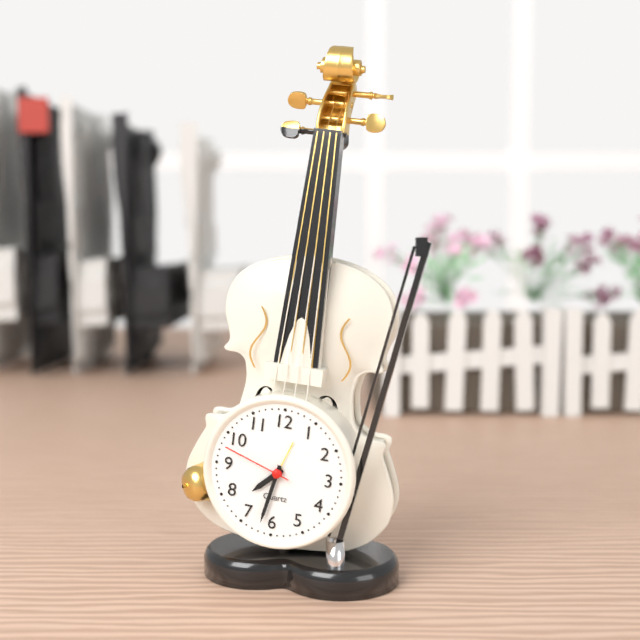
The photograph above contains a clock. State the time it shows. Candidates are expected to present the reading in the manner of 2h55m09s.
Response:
7h32m48s
